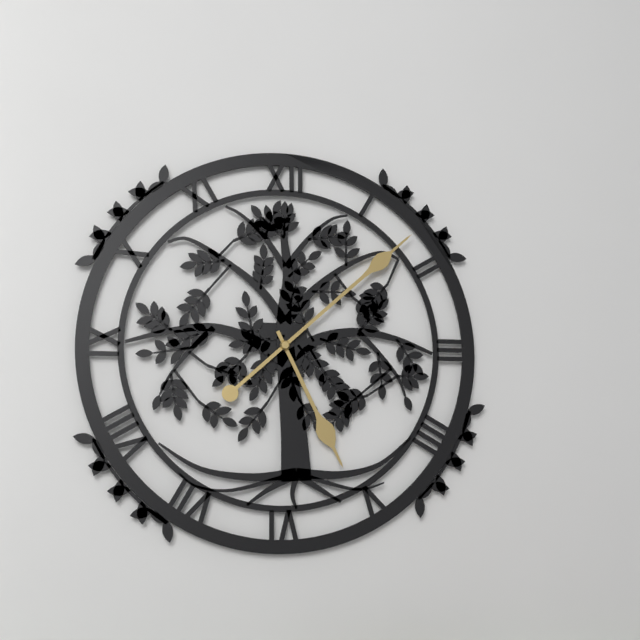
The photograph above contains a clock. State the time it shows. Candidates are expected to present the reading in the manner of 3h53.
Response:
5h08
